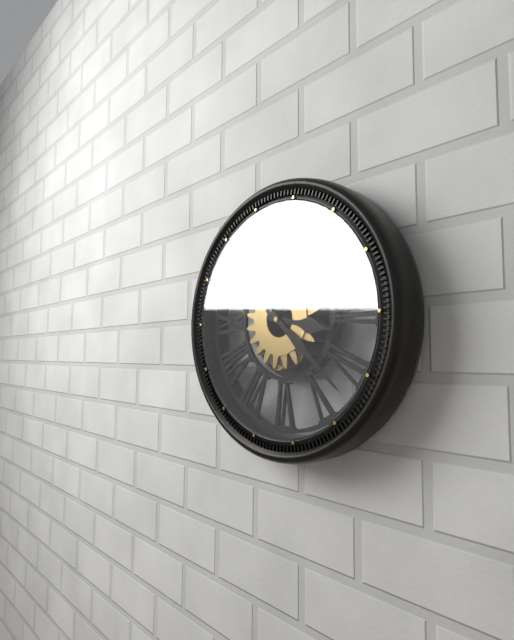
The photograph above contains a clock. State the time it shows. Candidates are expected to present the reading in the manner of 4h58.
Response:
3h22
